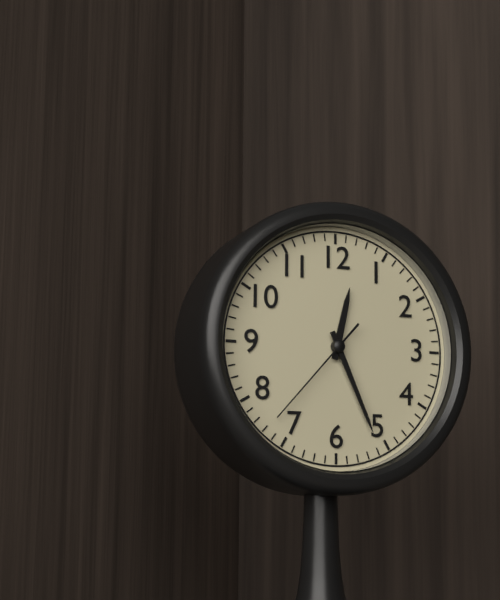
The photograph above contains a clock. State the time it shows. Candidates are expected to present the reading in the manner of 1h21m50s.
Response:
12h26m37s
